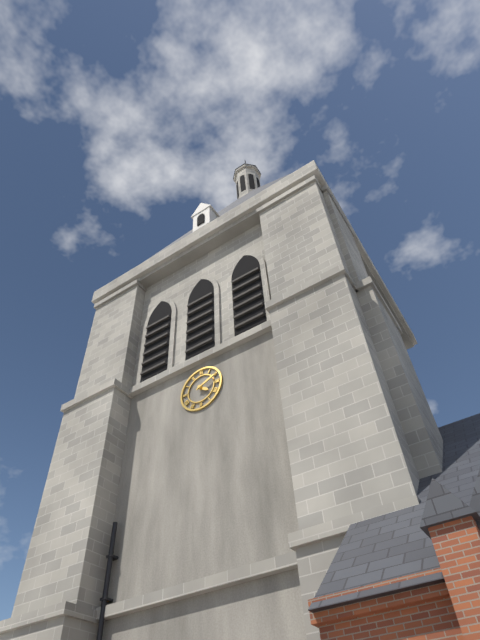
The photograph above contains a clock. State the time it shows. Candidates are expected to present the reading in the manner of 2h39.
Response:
4h11
